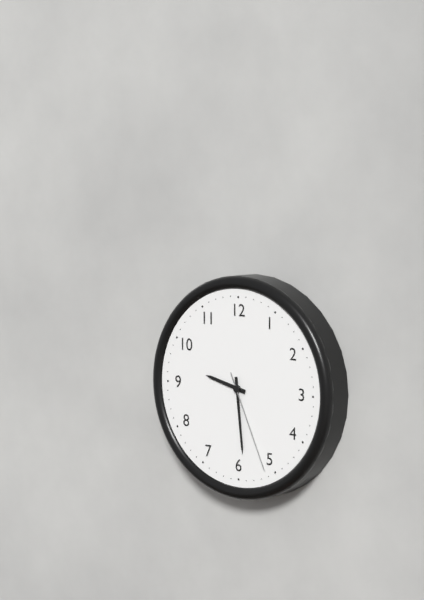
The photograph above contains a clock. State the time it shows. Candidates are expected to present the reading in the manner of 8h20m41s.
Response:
9h29m26s
